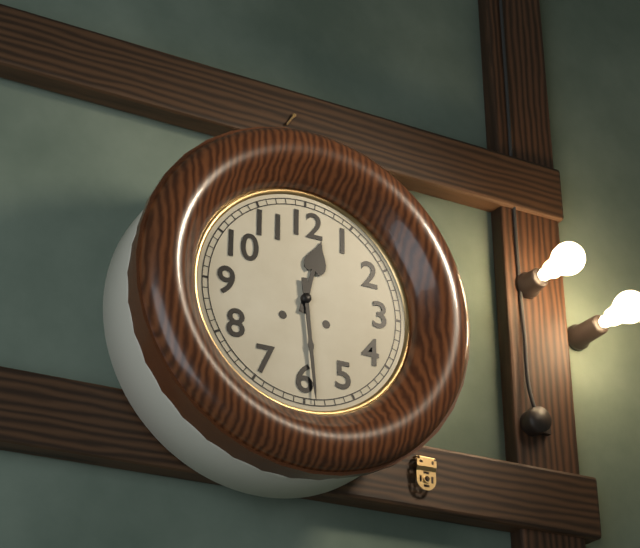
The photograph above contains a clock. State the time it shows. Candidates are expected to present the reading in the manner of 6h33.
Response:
12h29
